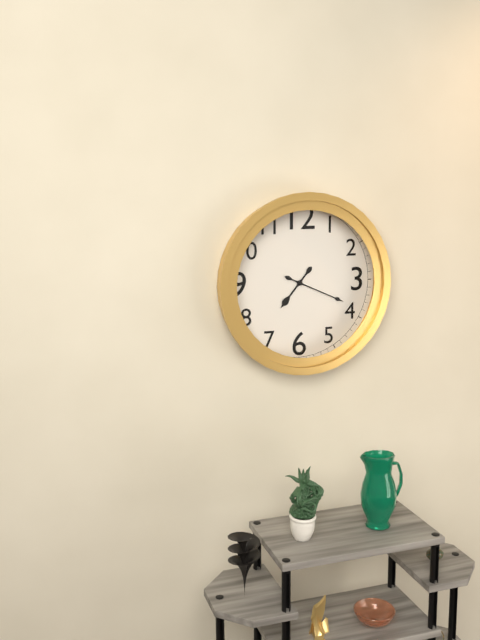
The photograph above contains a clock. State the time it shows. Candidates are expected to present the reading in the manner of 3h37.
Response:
7h19
